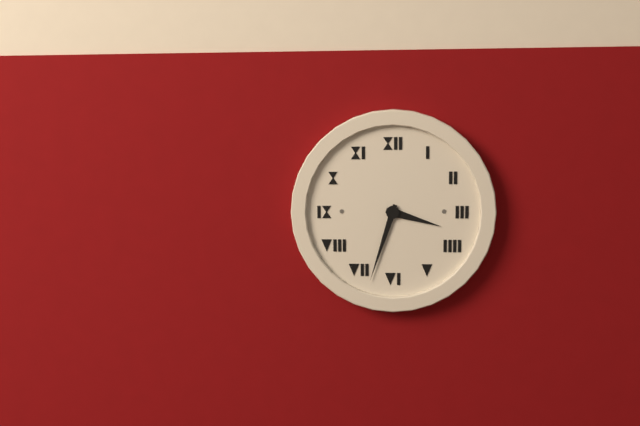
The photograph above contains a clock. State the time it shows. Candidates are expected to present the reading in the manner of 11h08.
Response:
3h33
